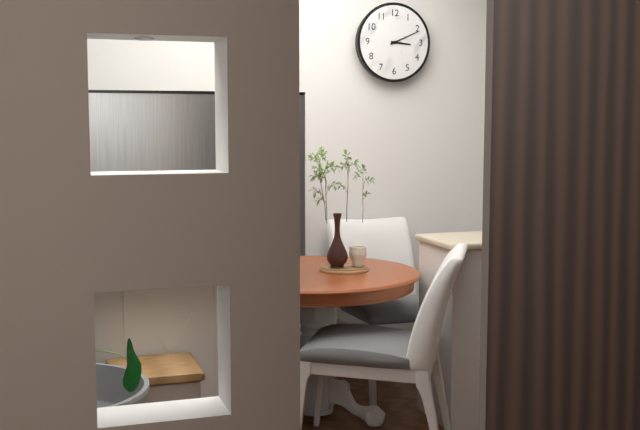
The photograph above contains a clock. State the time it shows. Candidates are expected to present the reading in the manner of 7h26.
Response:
3h11
